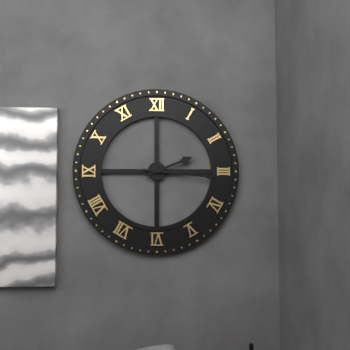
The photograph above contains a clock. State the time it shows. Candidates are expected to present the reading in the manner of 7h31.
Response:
2h16
